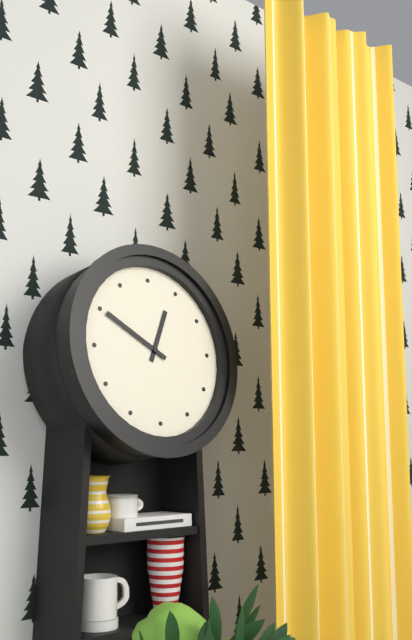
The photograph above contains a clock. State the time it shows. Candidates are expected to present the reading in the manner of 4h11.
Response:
12h50
